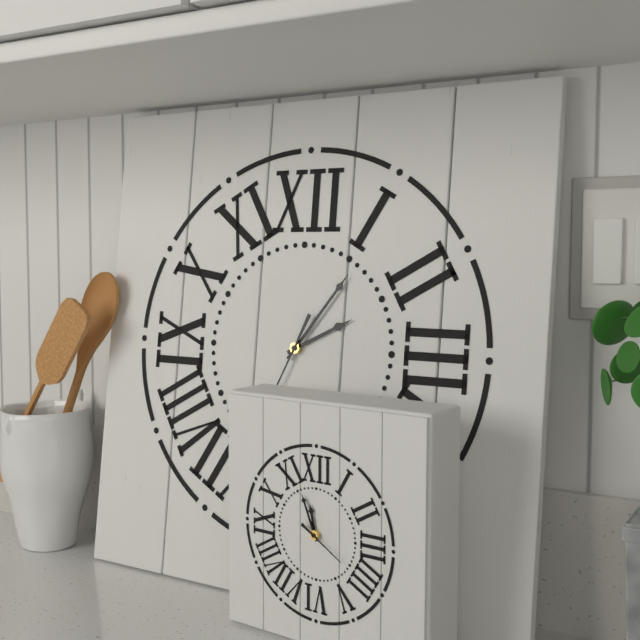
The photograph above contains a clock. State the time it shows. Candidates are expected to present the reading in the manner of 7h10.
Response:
2h06
